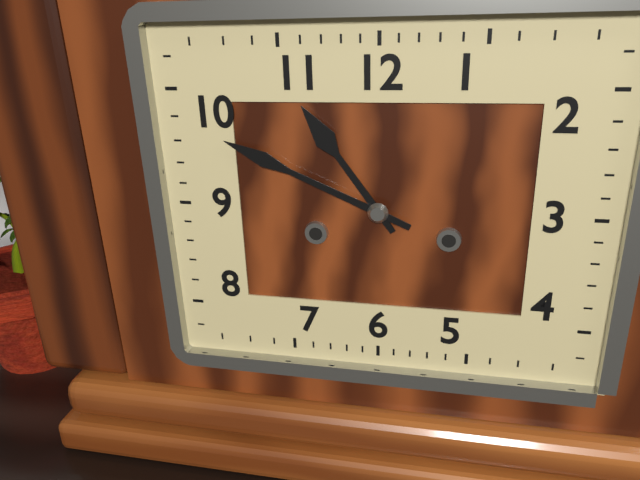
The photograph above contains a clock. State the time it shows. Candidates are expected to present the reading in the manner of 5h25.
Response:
10h49
